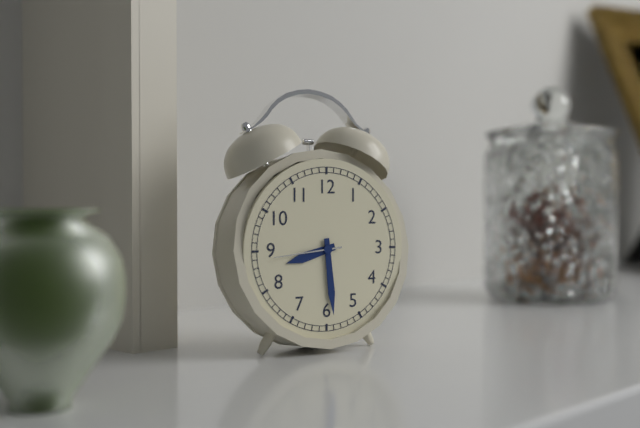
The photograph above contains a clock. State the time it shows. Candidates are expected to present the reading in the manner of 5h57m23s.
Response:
8h29m44s
